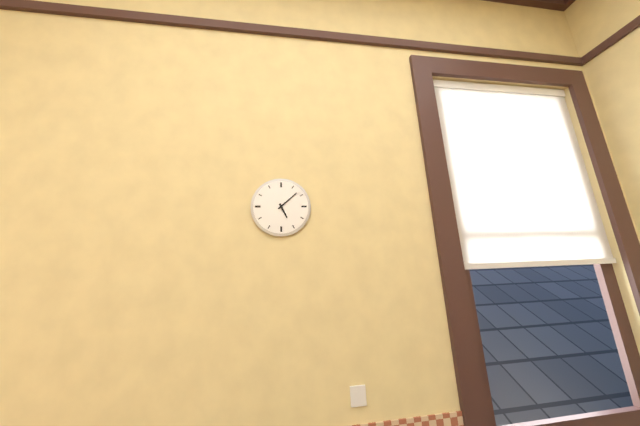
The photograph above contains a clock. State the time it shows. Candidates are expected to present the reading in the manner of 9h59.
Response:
5h08
